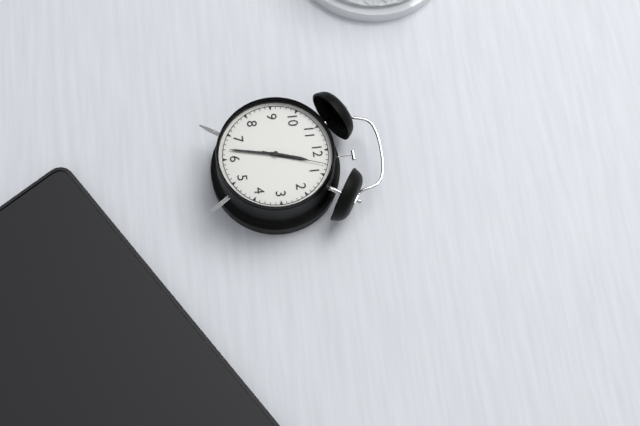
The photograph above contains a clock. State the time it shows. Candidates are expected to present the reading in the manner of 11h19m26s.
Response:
12h32m03s
